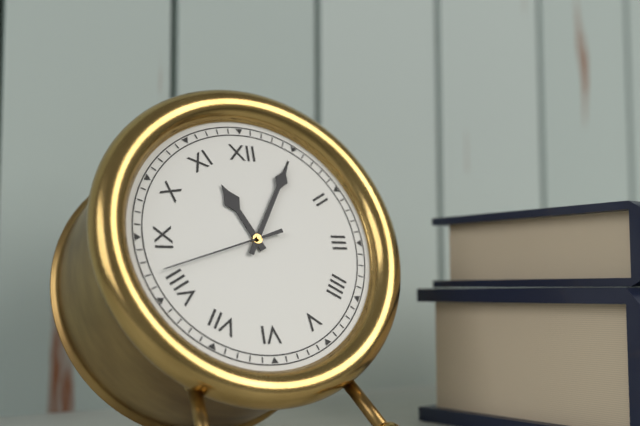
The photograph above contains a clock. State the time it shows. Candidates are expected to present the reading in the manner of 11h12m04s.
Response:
11h05m42s
